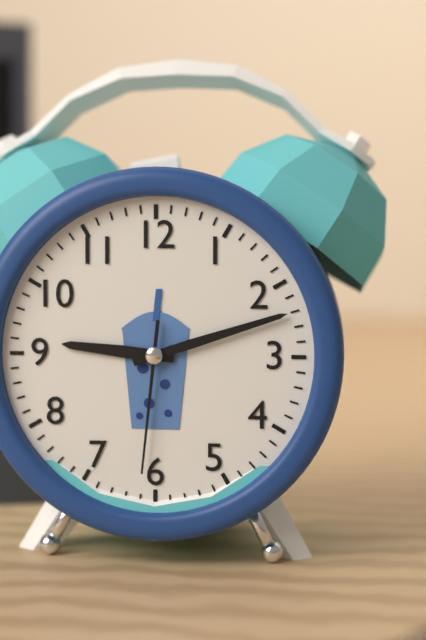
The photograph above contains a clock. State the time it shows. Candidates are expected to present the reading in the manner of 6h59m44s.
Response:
9h12m31s
